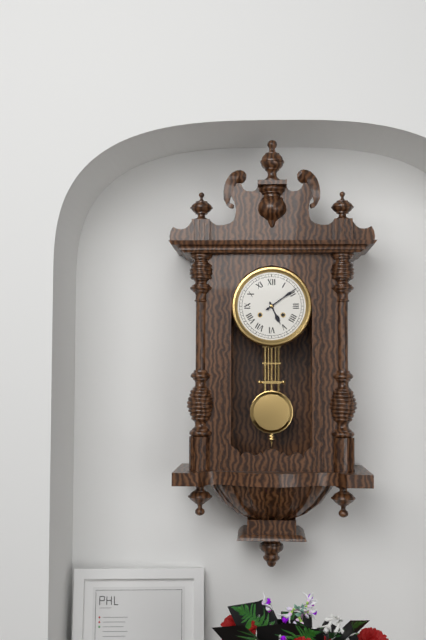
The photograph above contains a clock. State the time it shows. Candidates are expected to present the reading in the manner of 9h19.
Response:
5h09
